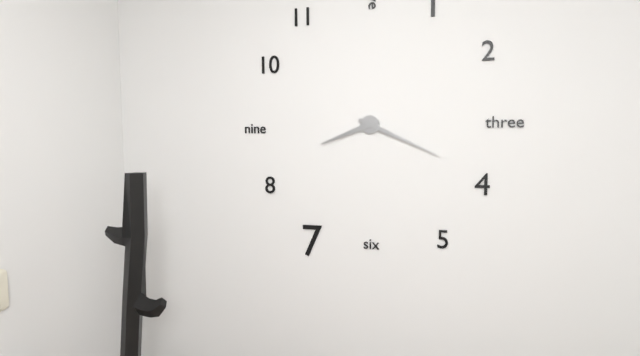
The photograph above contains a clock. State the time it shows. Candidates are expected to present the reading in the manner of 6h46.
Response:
8h19
